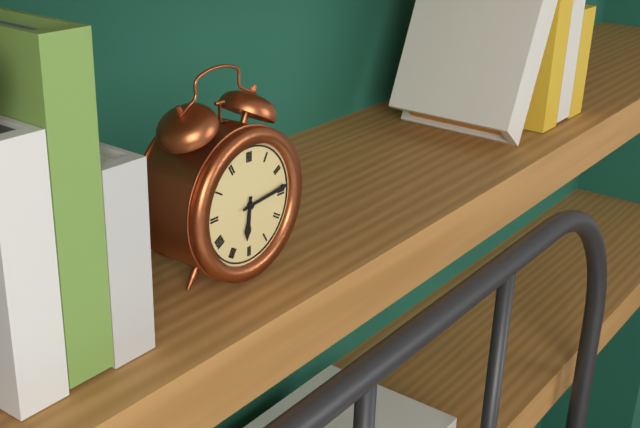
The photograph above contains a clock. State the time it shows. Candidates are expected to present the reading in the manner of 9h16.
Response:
6h14
